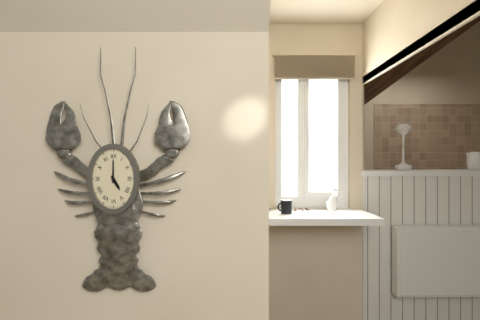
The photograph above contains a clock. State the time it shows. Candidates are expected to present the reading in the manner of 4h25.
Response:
5h00
